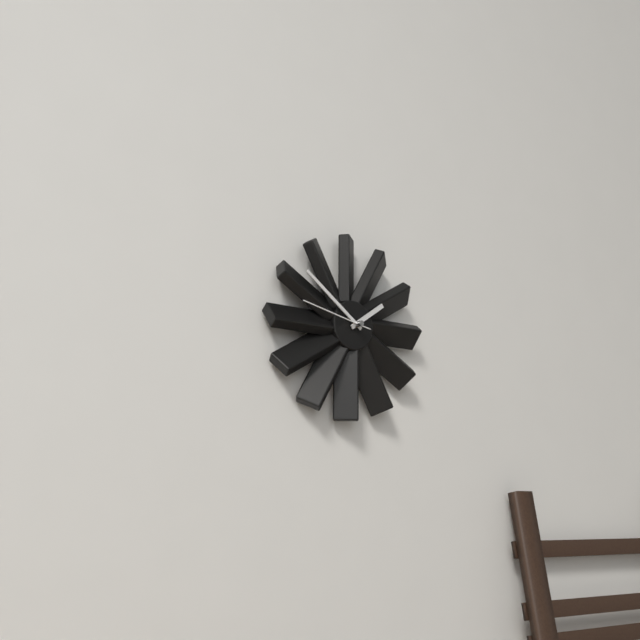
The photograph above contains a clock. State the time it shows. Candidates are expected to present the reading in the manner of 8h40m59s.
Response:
1h51m47s
